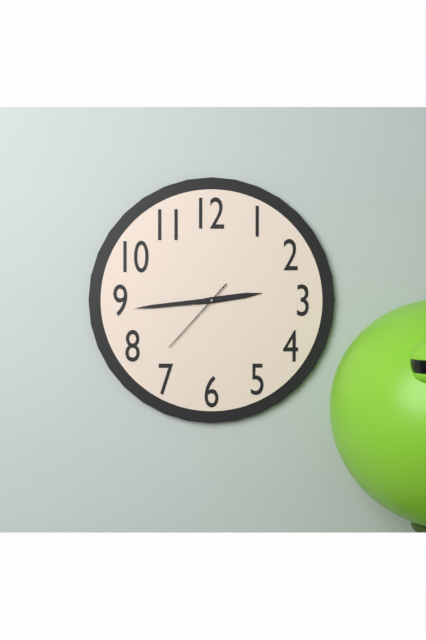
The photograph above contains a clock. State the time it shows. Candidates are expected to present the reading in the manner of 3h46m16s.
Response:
2h44m37s
